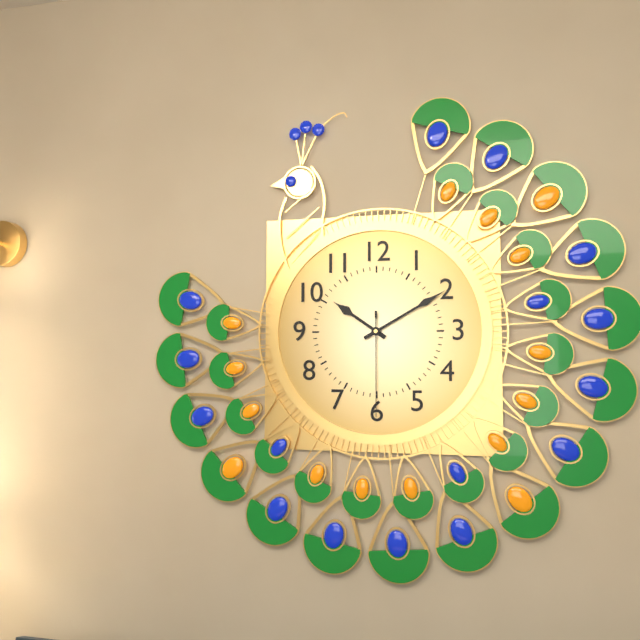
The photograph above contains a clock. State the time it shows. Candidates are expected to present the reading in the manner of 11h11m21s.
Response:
10h10m30s
